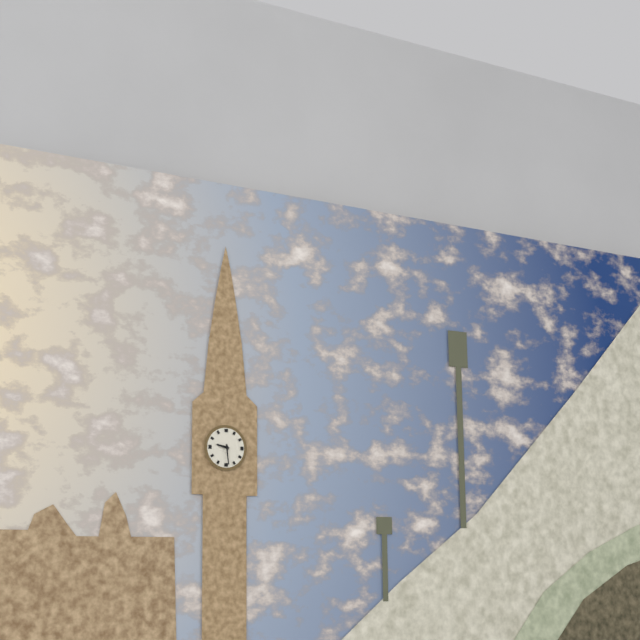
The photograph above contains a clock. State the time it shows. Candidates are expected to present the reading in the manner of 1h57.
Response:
9h29
